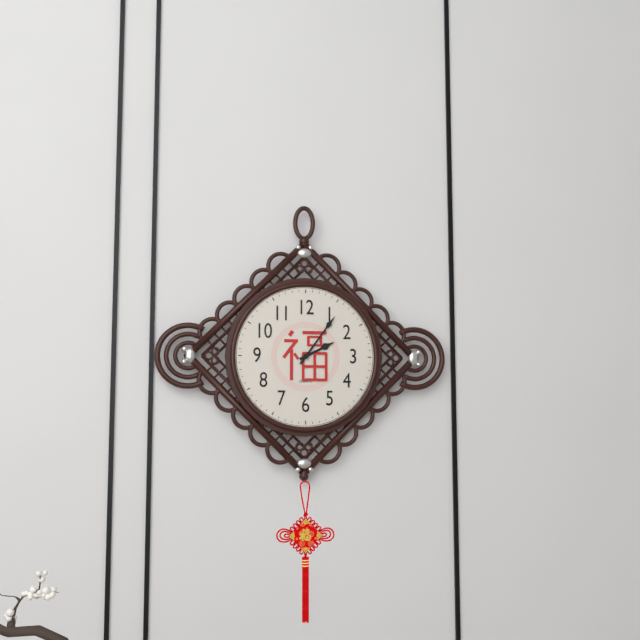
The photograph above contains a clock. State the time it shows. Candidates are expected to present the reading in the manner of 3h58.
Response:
2h06
